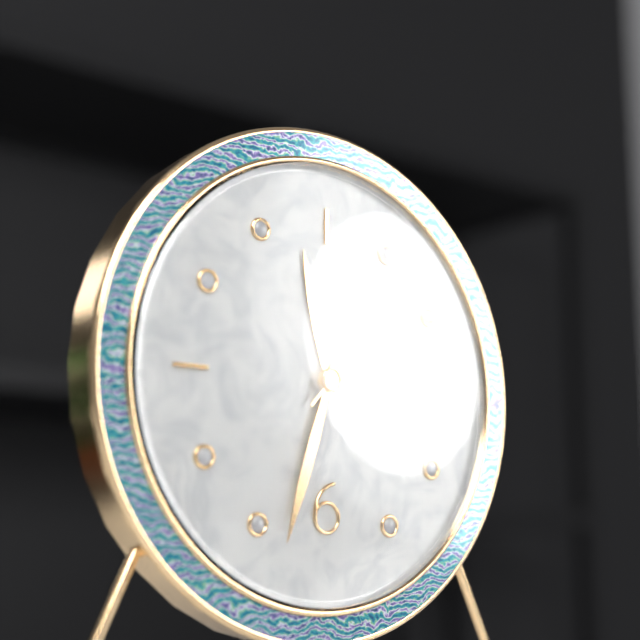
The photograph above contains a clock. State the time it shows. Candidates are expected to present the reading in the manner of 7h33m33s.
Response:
11h33m07s
